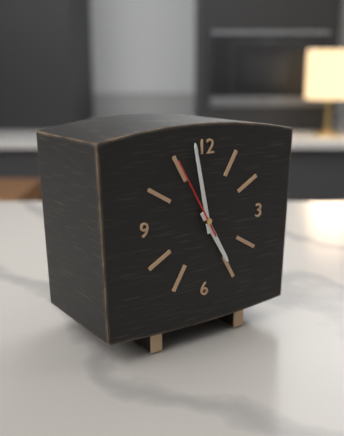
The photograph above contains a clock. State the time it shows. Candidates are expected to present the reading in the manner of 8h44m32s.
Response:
4h58m55s
